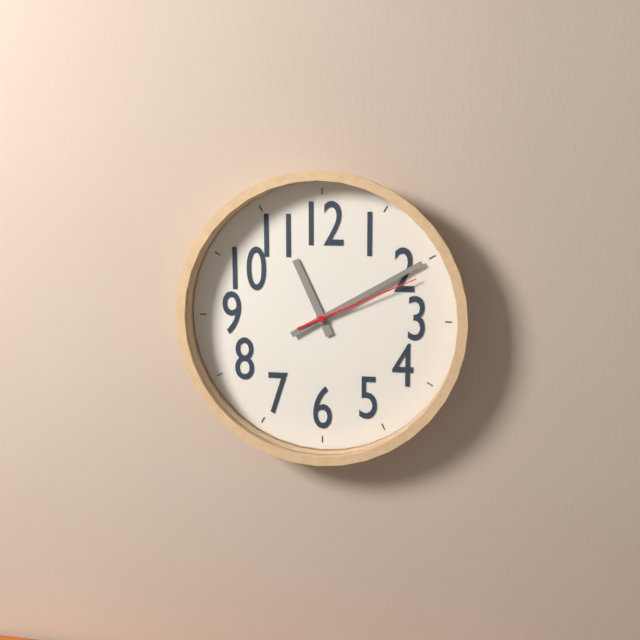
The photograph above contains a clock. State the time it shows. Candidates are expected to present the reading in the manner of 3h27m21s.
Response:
11h10m11s
